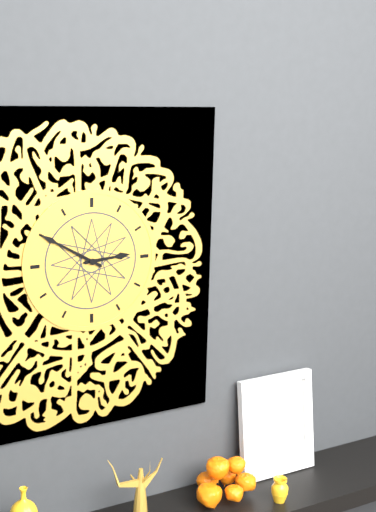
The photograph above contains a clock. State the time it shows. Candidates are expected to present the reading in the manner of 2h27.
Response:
2h50
